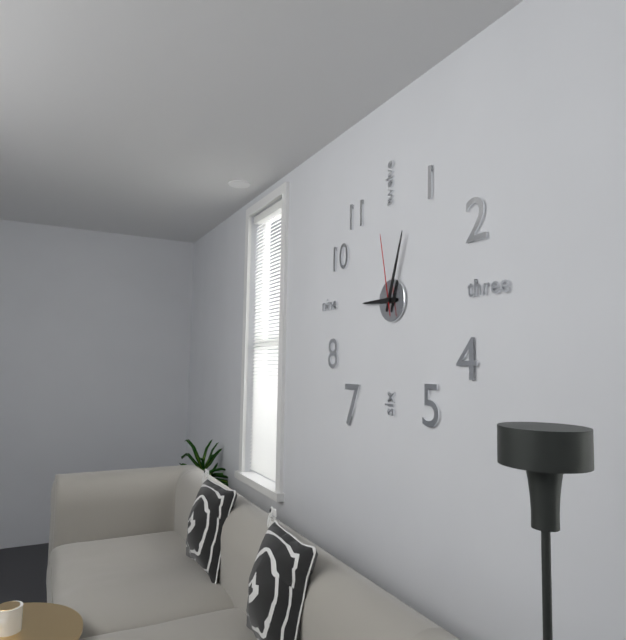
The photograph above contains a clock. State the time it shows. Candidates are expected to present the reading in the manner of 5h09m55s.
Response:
9h03m58s
